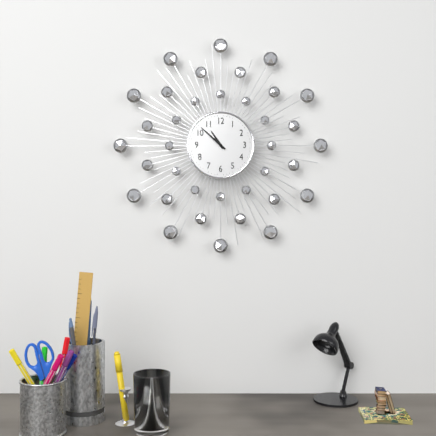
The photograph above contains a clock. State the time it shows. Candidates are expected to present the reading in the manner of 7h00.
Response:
10h52
